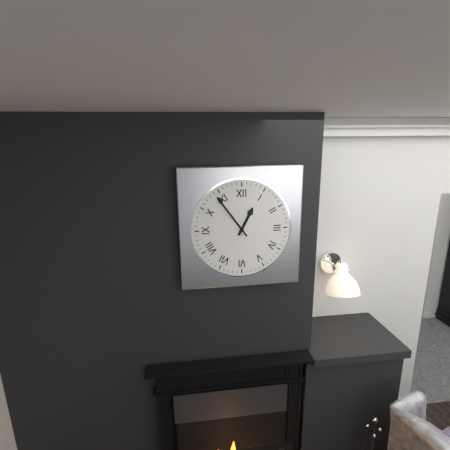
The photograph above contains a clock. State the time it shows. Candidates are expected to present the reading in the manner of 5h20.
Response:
12h54
